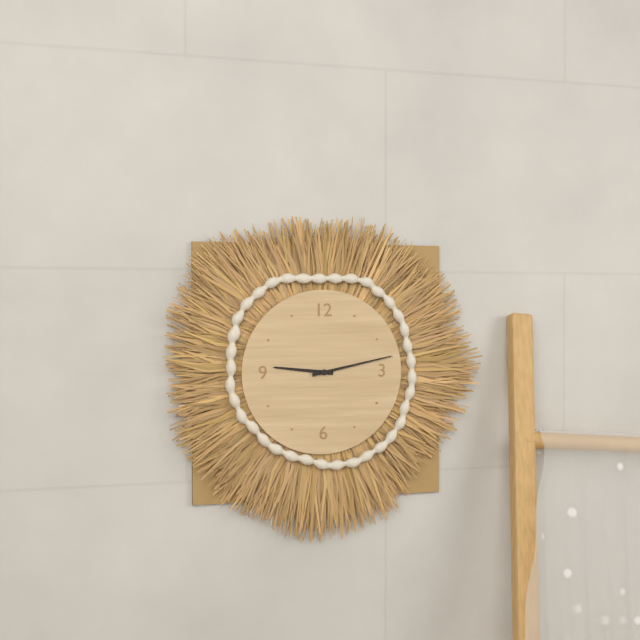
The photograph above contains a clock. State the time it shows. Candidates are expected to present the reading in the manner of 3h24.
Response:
9h13
